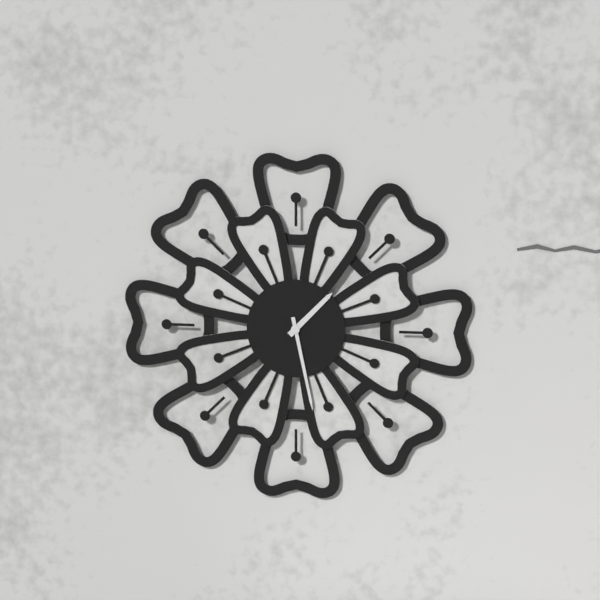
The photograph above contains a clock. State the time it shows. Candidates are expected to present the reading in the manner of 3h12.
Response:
1h28
